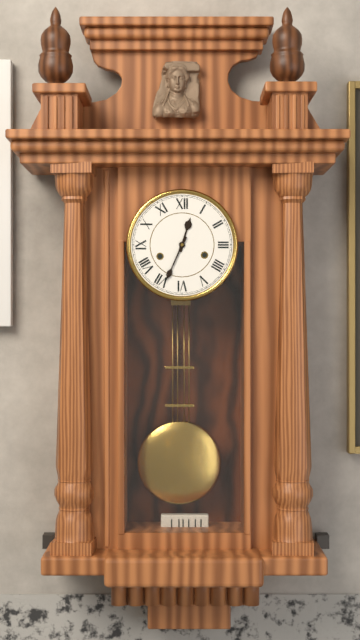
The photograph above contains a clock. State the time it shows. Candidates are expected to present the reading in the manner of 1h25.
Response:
12h34
